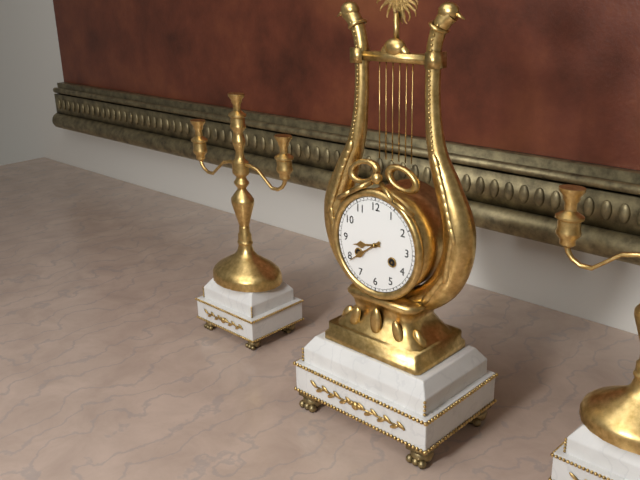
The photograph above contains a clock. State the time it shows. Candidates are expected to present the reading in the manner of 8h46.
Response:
8h39
